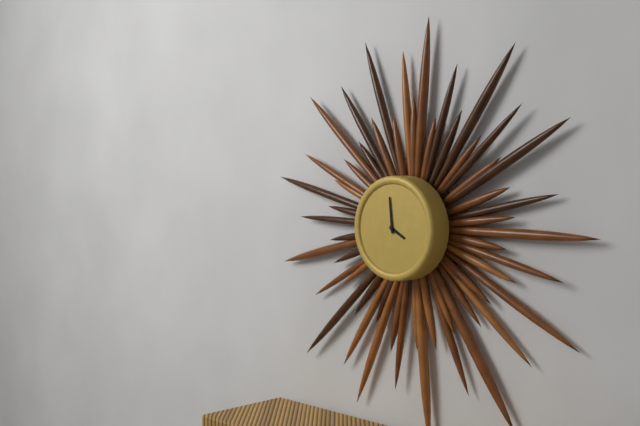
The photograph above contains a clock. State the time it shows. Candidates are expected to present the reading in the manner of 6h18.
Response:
3h59
